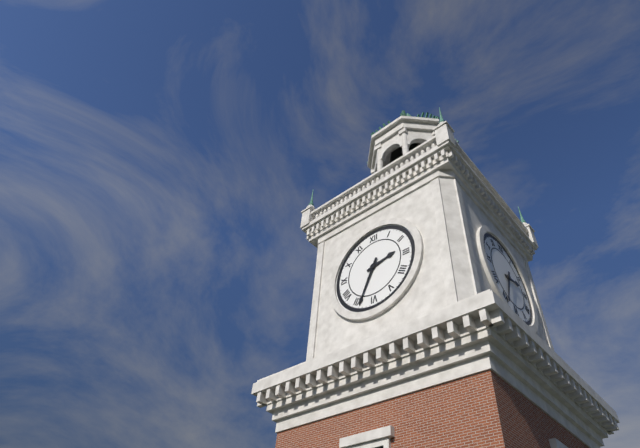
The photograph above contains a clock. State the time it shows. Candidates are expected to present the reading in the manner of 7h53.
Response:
2h34
